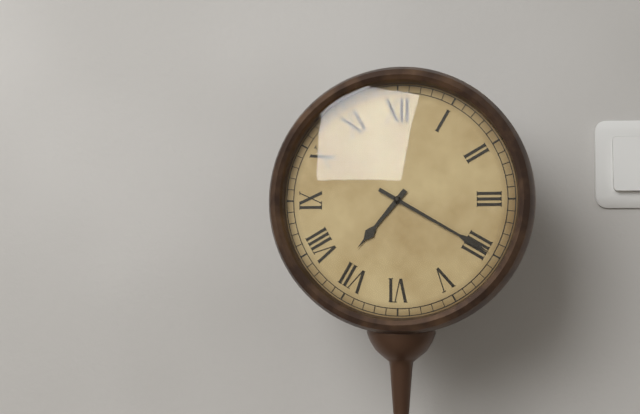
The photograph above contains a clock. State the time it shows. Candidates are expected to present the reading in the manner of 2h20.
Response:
7h20
